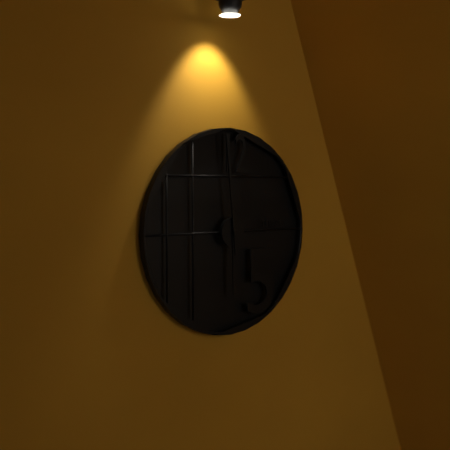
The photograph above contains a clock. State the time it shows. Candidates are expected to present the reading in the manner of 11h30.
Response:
5h59
